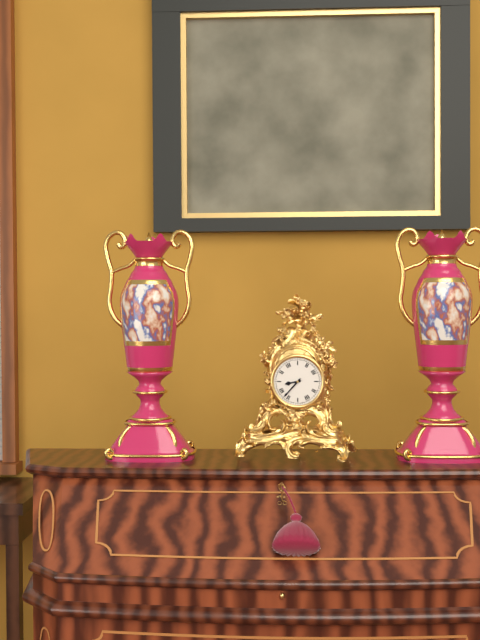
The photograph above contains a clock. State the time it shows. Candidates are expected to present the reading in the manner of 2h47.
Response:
8h37
